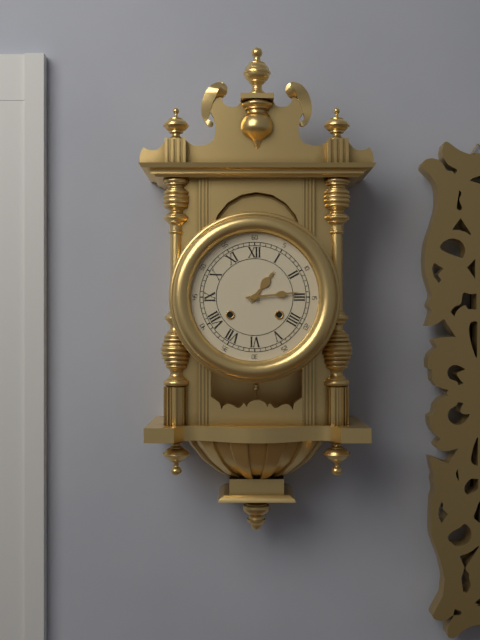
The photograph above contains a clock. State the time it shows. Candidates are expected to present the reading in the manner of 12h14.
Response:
1h14
